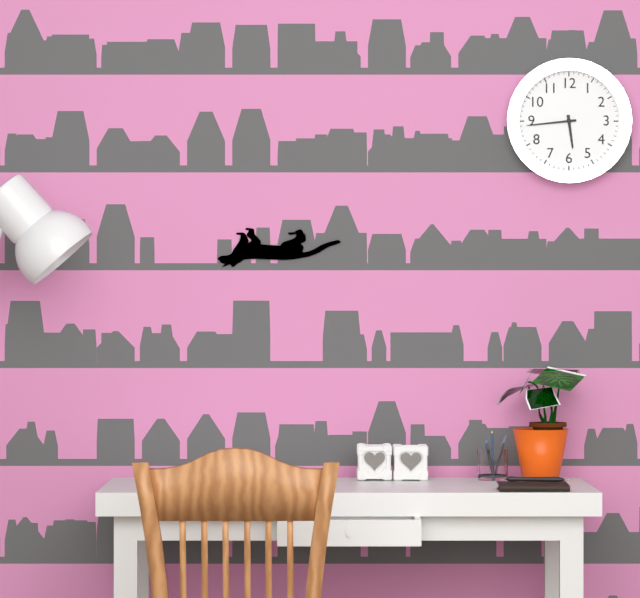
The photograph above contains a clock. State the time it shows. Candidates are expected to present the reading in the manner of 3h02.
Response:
5h44
